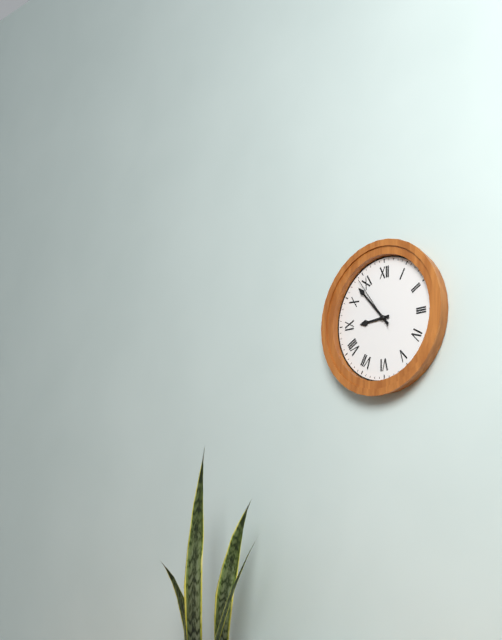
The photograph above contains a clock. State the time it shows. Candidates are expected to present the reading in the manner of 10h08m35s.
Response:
8h53m54s
